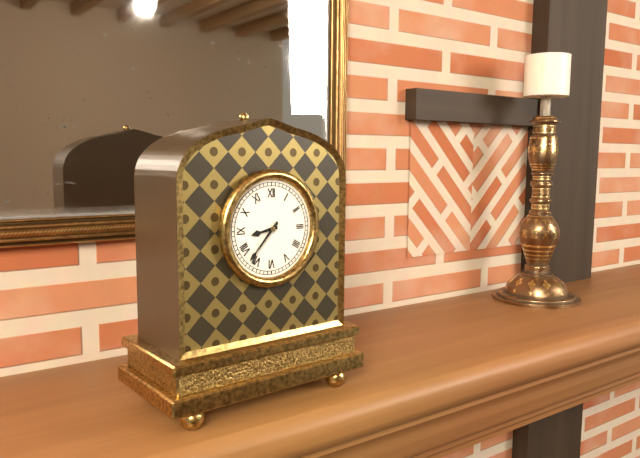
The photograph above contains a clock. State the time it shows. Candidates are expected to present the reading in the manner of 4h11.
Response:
8h37
